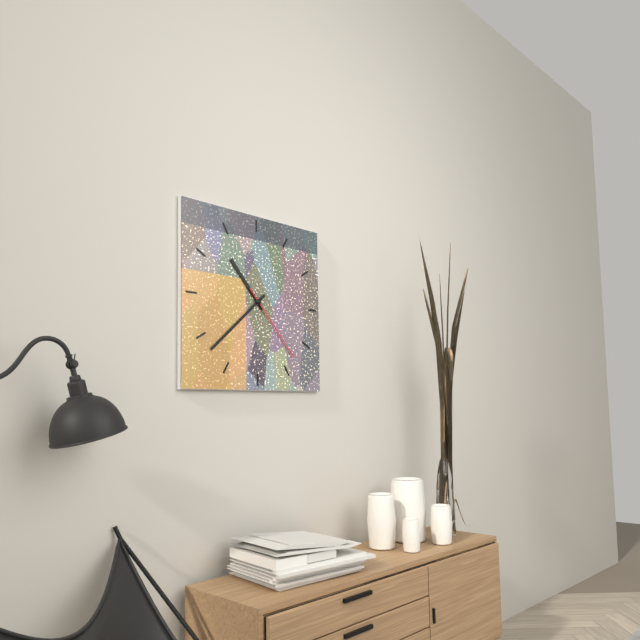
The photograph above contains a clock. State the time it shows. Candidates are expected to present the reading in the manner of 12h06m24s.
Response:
10h38m23s
